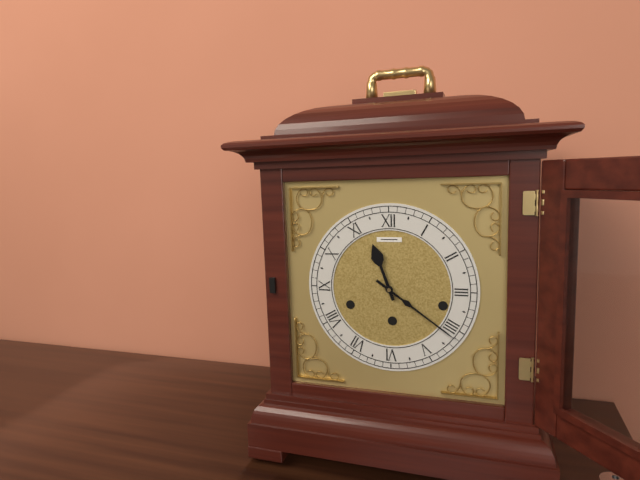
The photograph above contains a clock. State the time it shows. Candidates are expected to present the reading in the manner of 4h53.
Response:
11h21
